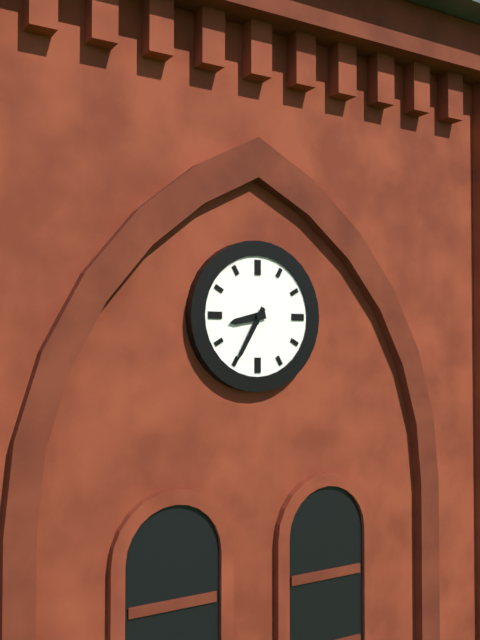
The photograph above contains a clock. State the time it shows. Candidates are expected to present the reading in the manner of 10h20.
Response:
8h35
